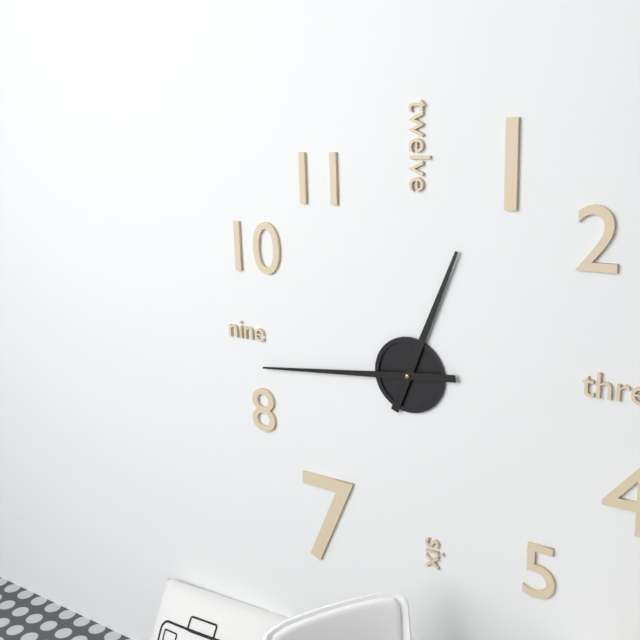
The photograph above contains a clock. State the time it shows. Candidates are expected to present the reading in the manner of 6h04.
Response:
12h44
